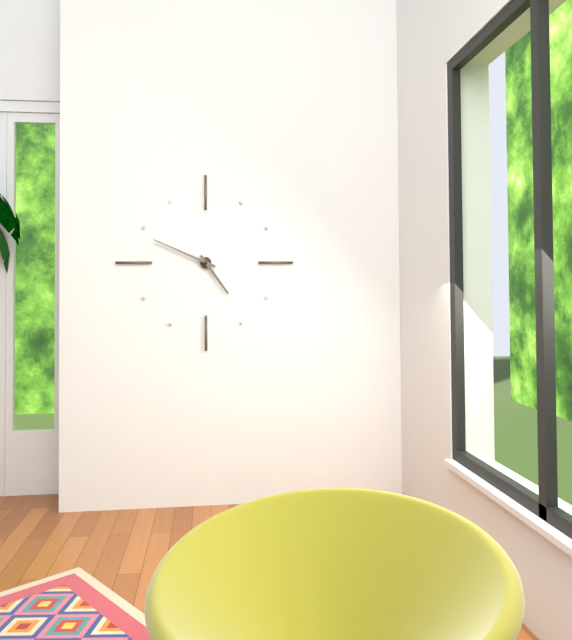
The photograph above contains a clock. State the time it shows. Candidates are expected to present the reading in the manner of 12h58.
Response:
4h49
